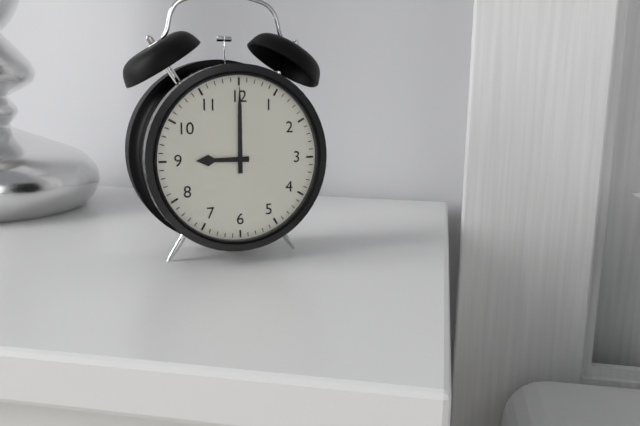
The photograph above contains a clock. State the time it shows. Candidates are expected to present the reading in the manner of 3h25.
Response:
9h00
